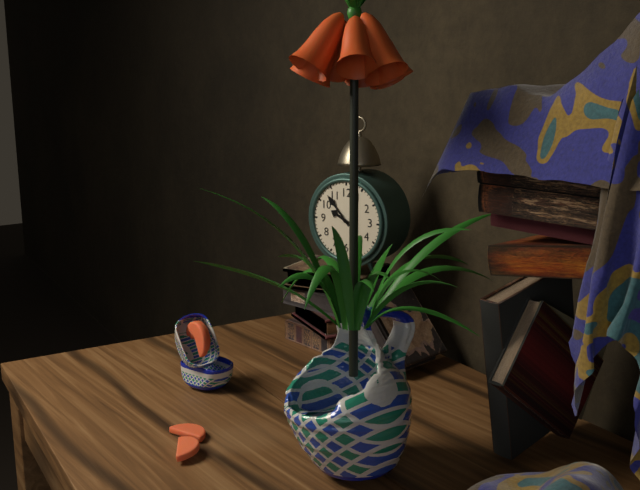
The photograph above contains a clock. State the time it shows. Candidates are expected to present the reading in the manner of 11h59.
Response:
9h53
